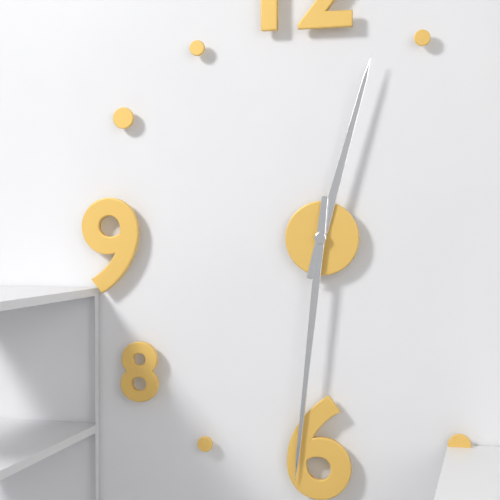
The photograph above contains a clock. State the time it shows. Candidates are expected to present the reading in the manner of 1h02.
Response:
12h31
